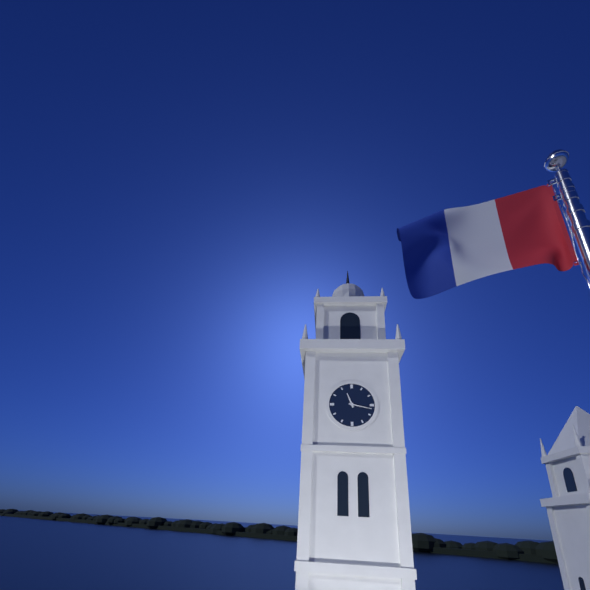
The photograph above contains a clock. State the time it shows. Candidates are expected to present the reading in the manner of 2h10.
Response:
11h17
